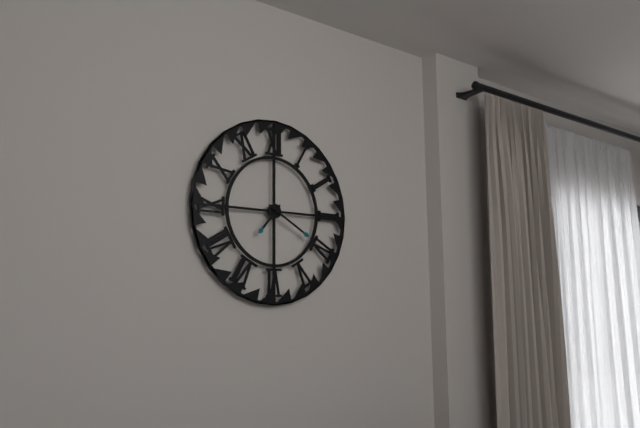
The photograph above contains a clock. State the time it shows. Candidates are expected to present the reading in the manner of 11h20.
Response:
7h20
